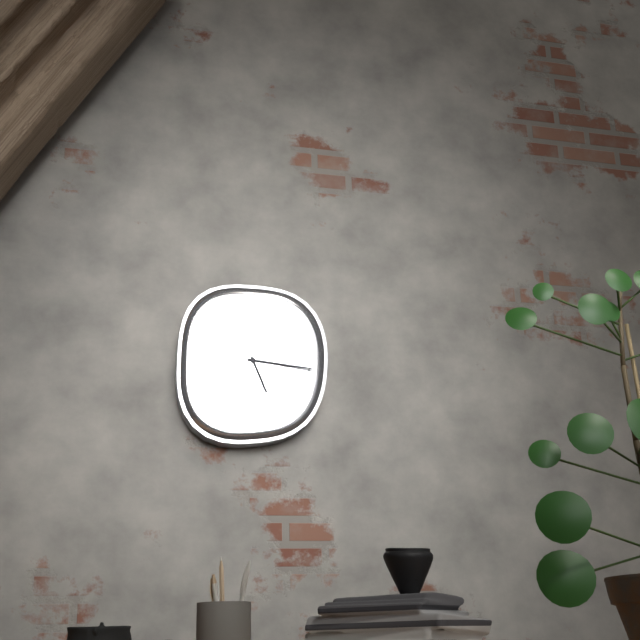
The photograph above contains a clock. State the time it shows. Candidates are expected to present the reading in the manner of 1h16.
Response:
5h16
